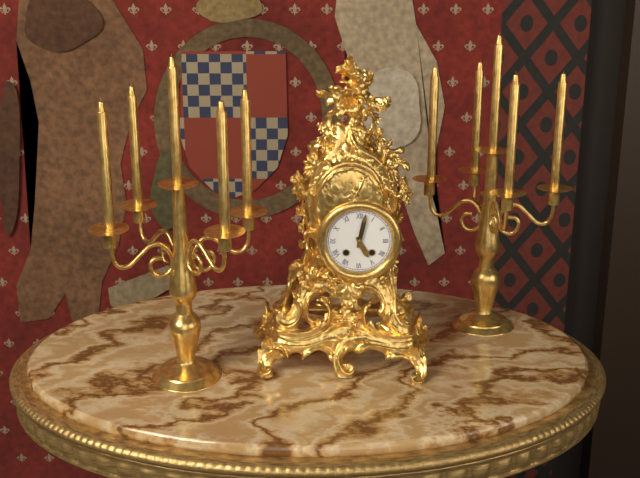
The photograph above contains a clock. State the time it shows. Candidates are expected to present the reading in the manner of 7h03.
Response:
5h02
